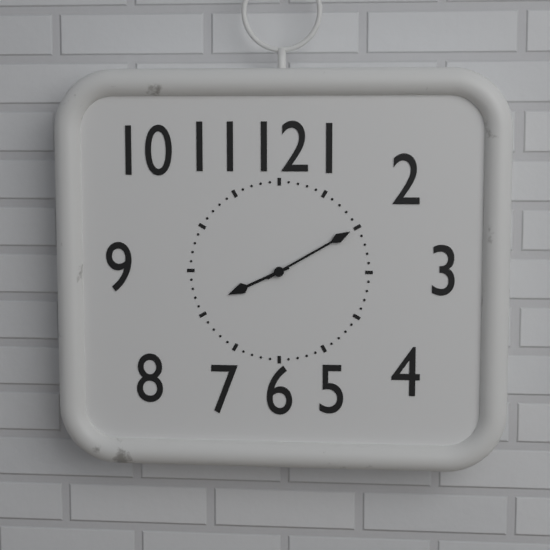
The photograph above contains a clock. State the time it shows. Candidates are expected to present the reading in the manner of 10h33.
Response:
8h10
